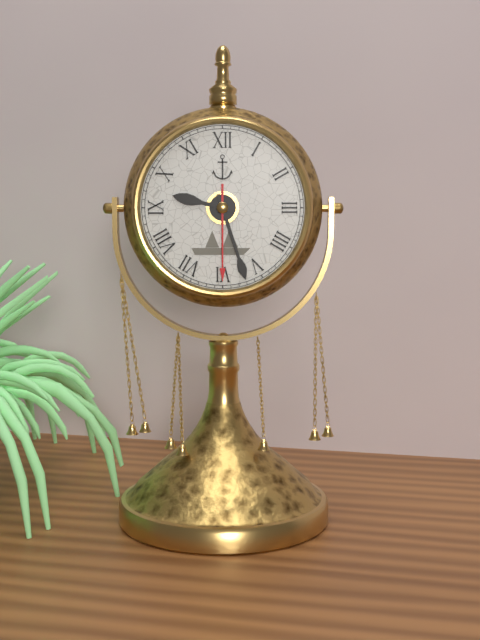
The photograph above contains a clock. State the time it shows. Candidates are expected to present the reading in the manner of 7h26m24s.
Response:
9h27m30s
